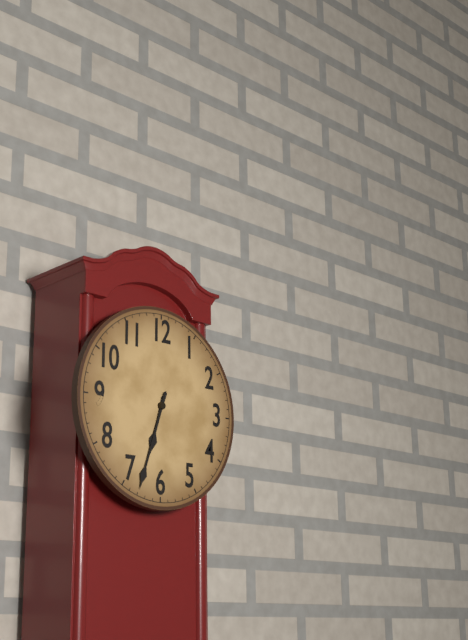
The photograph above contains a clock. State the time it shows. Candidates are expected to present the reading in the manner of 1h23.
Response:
6h33
